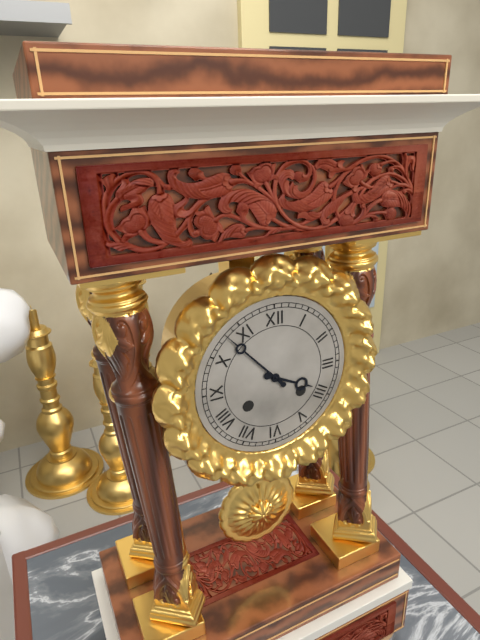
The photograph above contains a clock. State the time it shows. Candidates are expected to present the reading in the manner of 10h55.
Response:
3h53
